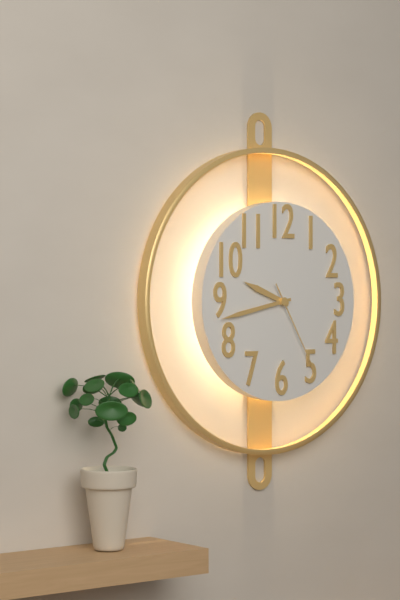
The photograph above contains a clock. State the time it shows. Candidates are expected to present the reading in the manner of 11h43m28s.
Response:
9h43m25s
